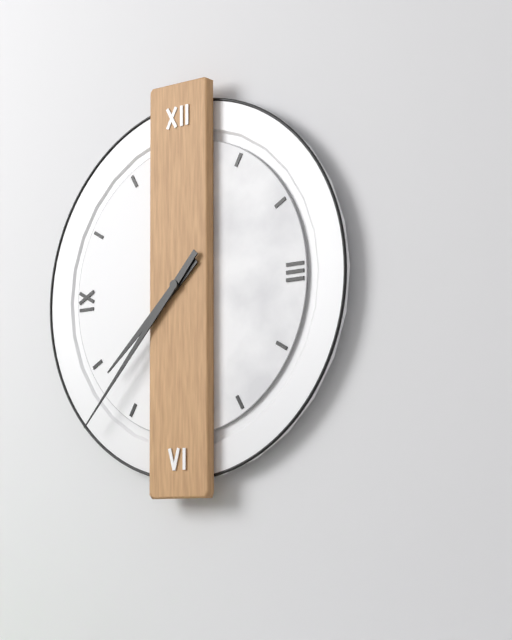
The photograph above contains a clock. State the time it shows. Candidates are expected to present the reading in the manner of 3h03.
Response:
7h37
